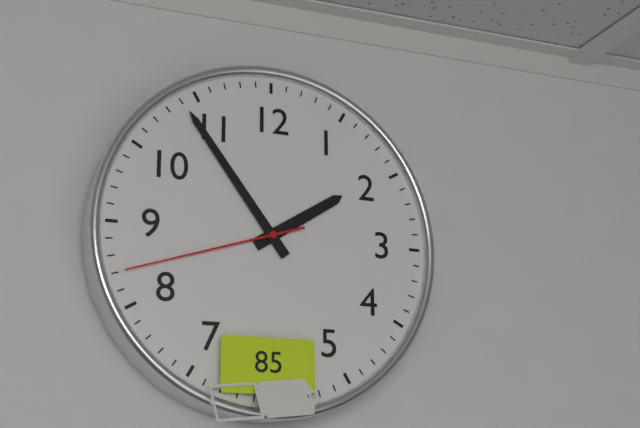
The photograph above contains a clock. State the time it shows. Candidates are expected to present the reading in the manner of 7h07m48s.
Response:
1h54m42s
